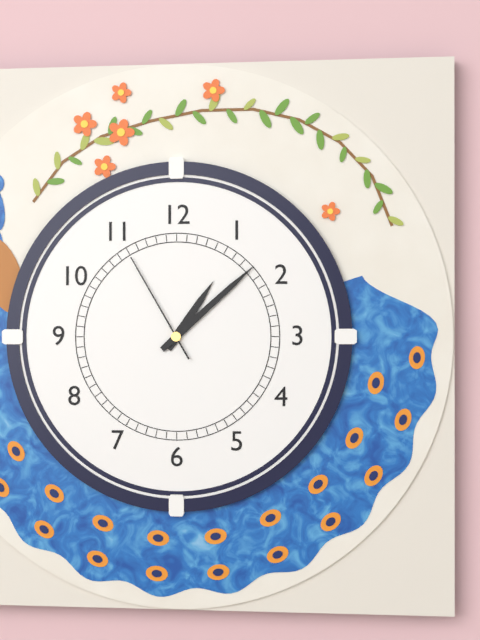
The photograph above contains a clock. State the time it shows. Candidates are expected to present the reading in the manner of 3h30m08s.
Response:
1h08m55s
